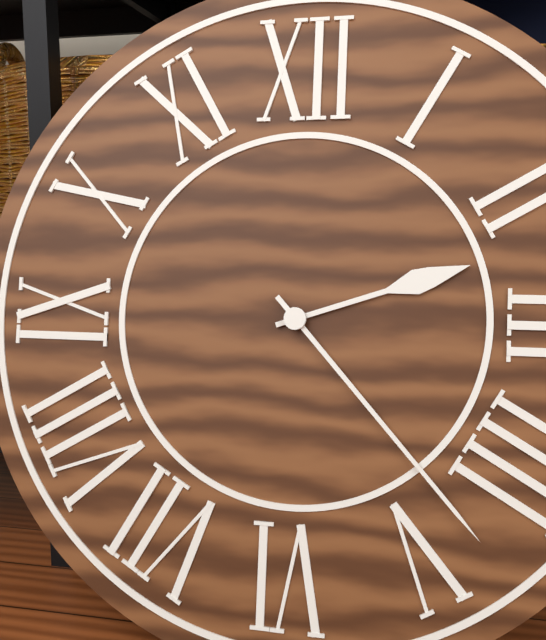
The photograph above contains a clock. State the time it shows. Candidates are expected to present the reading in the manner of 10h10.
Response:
2h23
